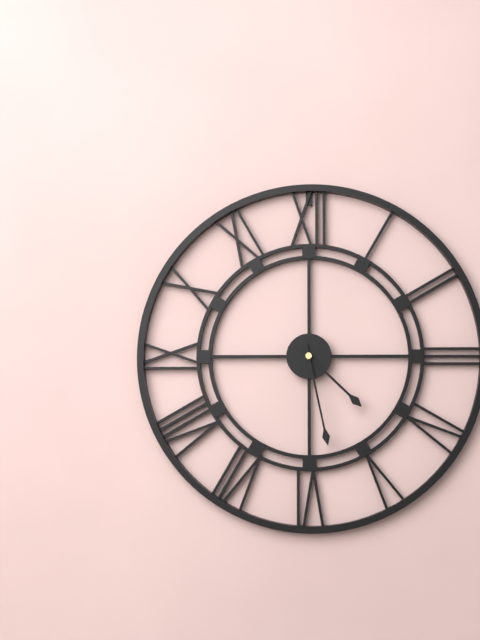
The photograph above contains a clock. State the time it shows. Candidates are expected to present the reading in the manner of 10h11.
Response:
4h28
